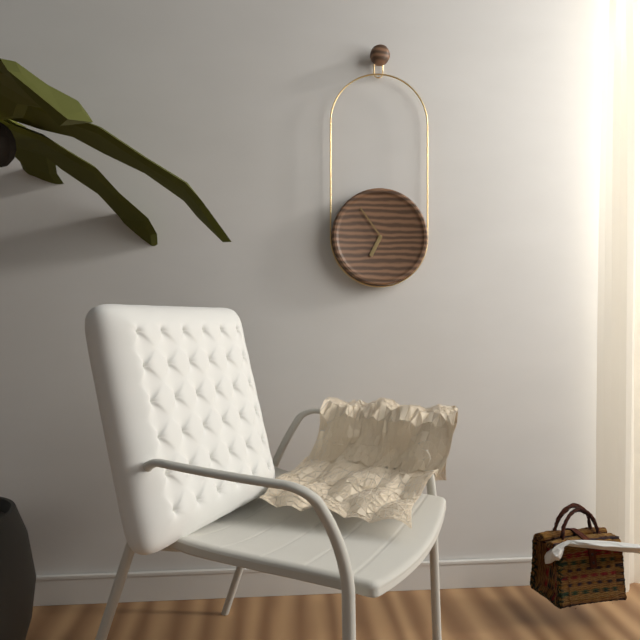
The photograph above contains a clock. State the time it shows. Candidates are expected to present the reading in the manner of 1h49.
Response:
6h54
